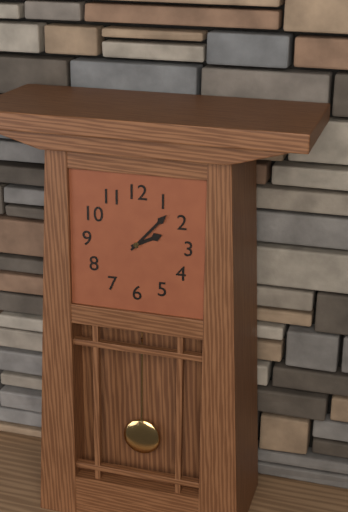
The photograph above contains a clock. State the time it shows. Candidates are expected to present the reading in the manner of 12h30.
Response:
2h07
